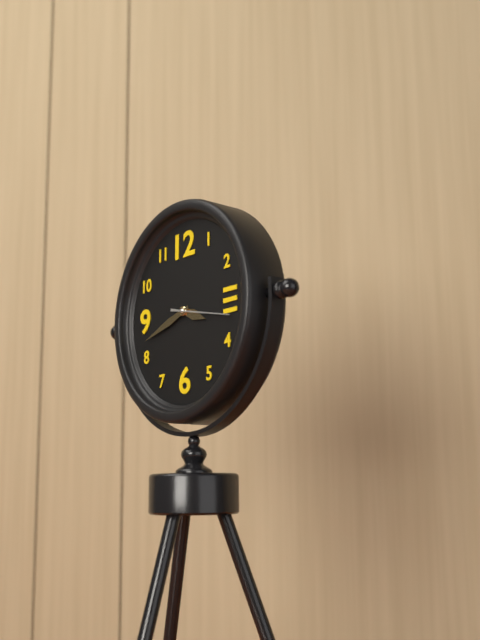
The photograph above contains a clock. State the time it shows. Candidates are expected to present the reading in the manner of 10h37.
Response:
3h42
